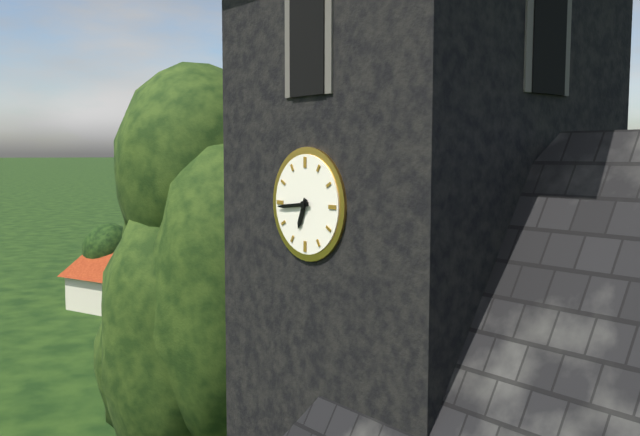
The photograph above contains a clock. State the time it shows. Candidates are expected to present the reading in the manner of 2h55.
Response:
6h44
